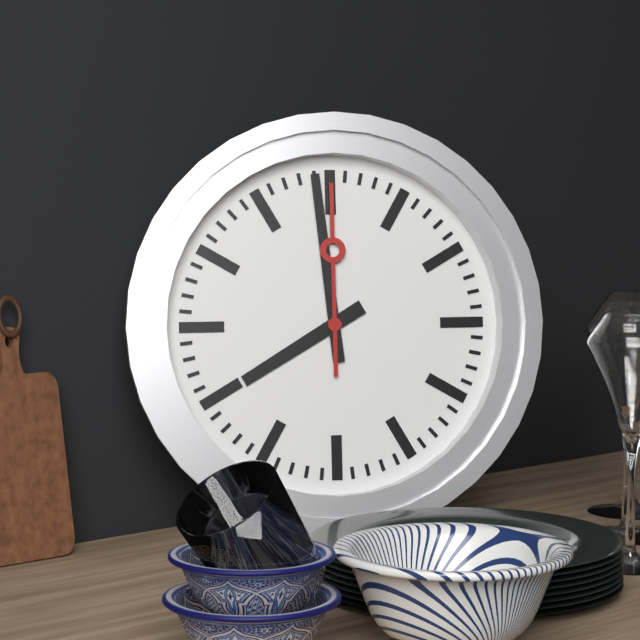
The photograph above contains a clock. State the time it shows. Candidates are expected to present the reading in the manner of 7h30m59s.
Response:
7h59m00s
